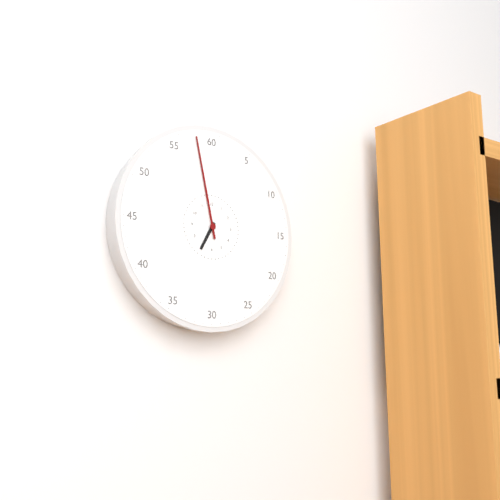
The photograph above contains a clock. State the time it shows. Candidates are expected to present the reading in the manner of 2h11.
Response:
6h58
